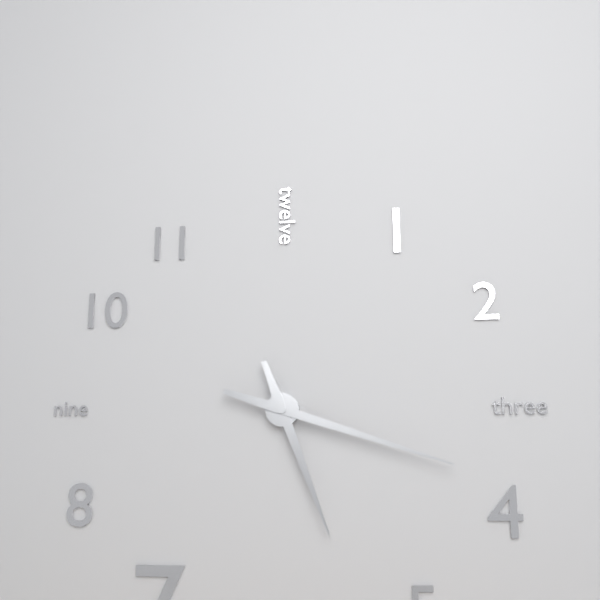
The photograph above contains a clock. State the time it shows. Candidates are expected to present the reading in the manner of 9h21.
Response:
5h18
